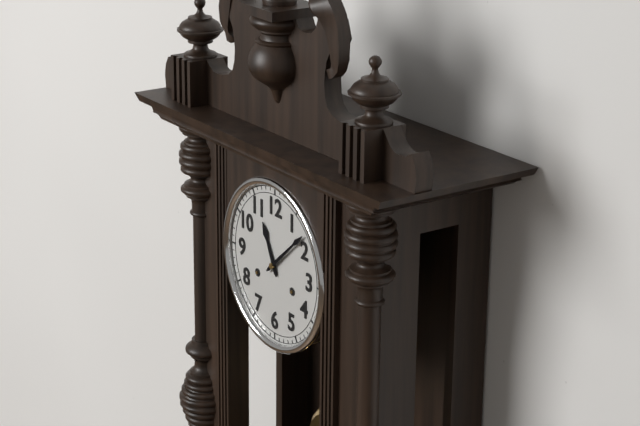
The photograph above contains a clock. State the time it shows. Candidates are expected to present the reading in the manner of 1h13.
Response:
11h08
